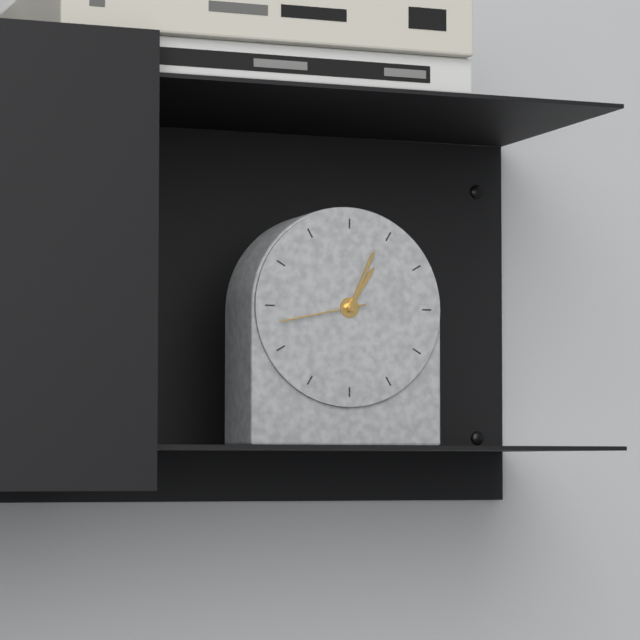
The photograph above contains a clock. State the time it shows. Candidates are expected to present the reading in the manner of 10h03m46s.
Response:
1h04m43s
